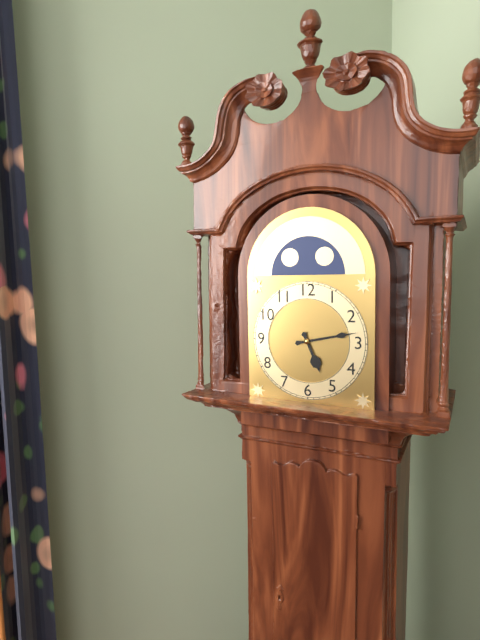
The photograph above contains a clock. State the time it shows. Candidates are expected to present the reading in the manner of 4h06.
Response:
5h13
